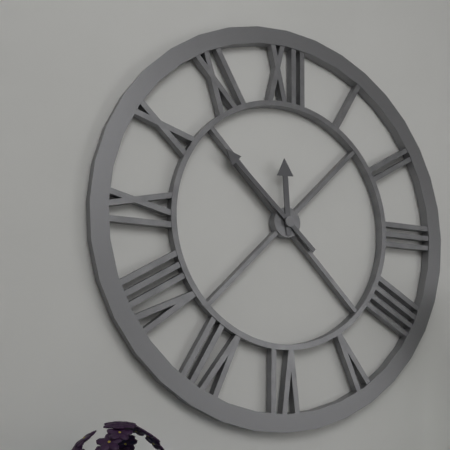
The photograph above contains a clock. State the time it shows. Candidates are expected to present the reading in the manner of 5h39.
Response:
11h52
